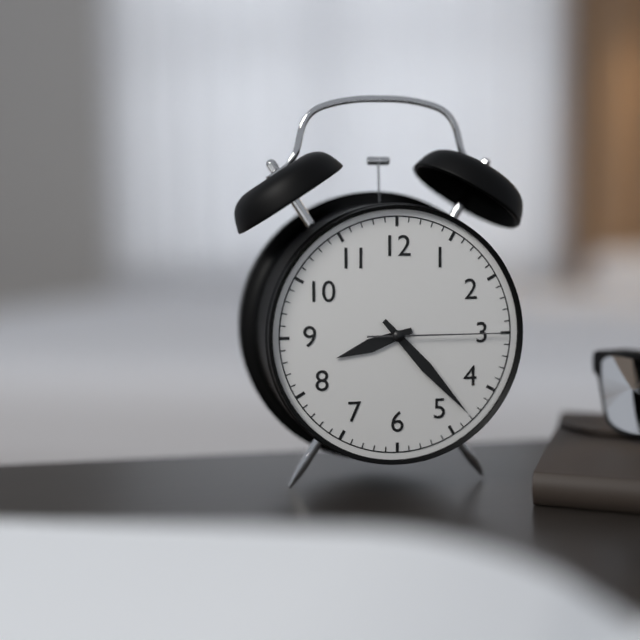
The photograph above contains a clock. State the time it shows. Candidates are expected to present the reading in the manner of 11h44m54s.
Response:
8h23m15s
